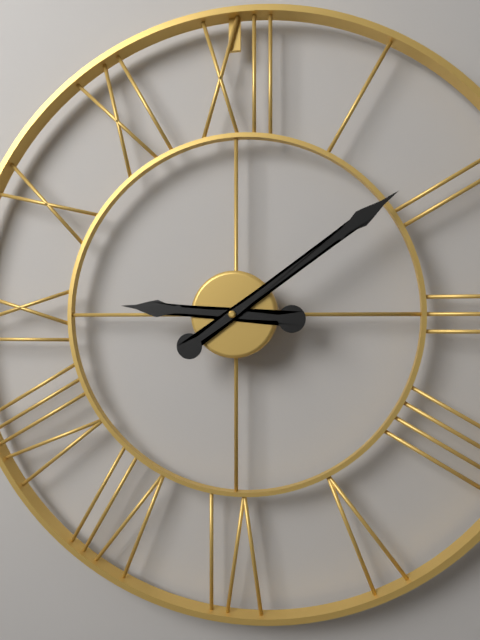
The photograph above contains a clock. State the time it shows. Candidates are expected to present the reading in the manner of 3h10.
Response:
9h09
